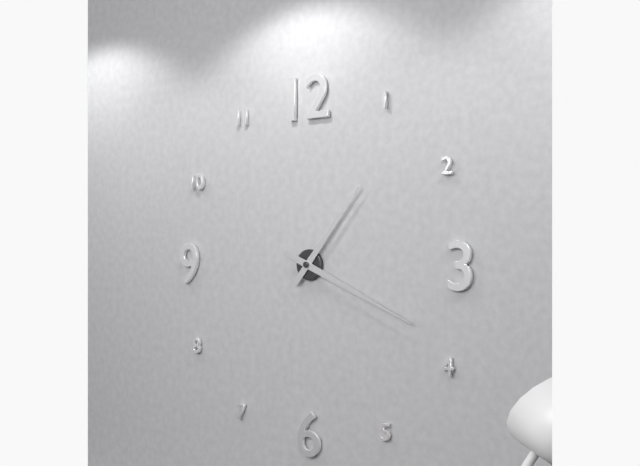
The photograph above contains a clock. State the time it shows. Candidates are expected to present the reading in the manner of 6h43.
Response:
1h19
